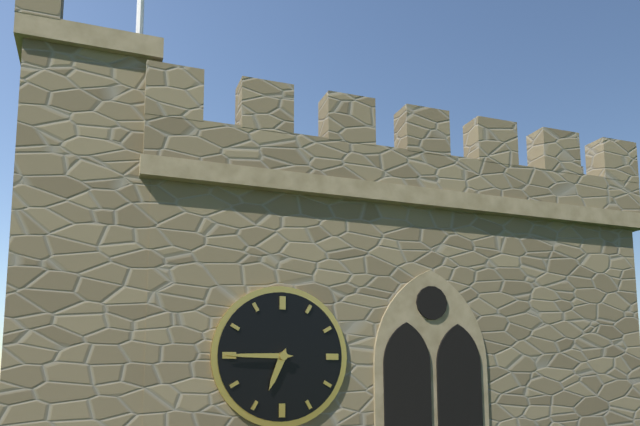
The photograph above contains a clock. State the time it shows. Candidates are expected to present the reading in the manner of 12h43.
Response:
6h45
